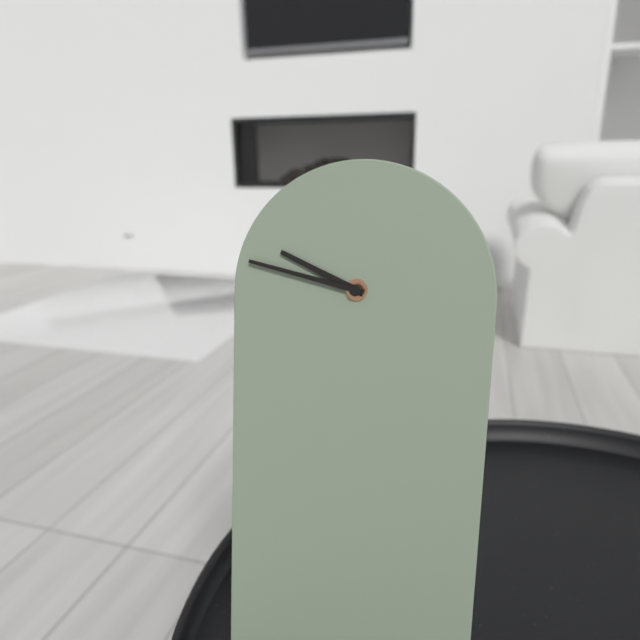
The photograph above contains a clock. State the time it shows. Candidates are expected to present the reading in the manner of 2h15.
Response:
9h47
